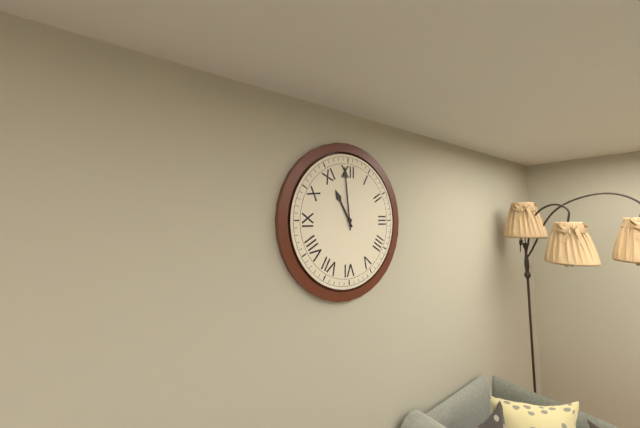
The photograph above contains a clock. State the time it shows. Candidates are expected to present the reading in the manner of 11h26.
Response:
10h59
